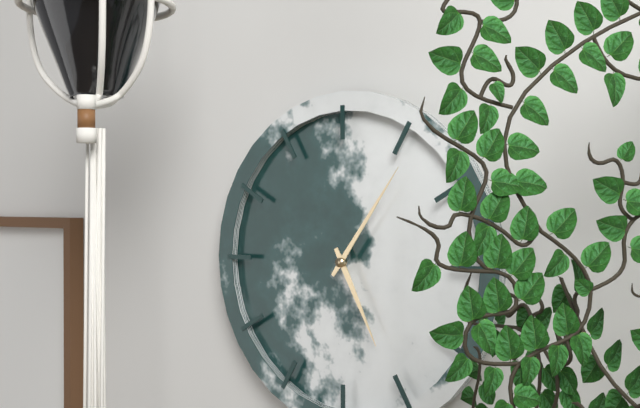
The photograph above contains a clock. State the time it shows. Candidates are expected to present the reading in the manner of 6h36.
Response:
5h06
